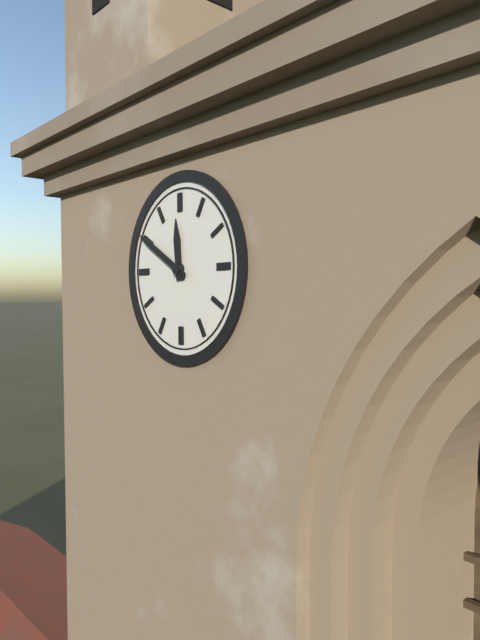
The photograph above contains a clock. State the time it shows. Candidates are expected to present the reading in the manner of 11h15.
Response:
11h50
